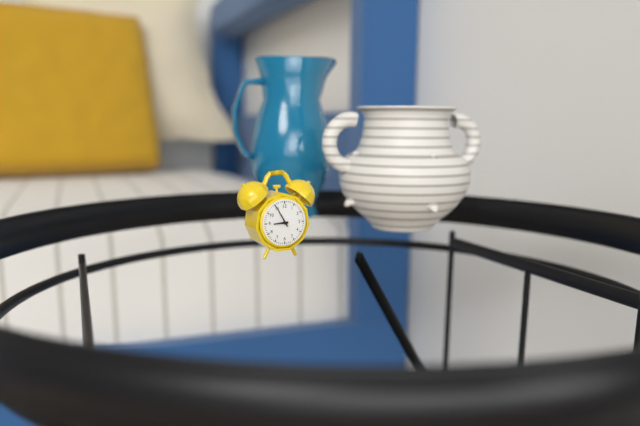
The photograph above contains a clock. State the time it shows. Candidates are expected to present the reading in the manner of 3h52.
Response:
8h55
